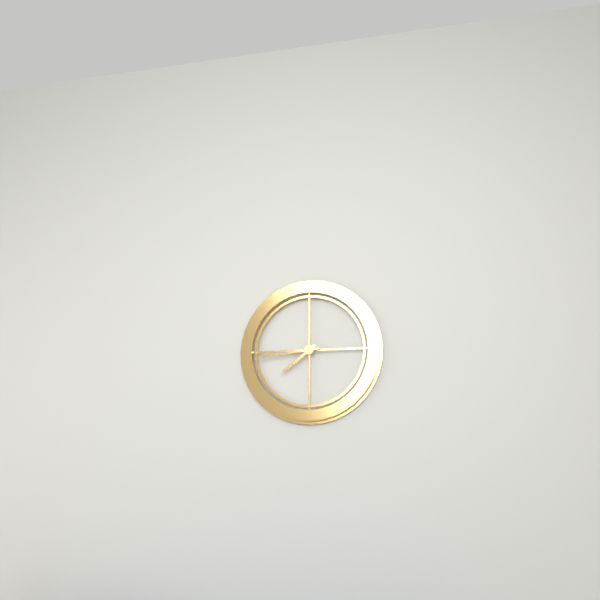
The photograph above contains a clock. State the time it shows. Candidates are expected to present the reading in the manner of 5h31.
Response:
7h44
